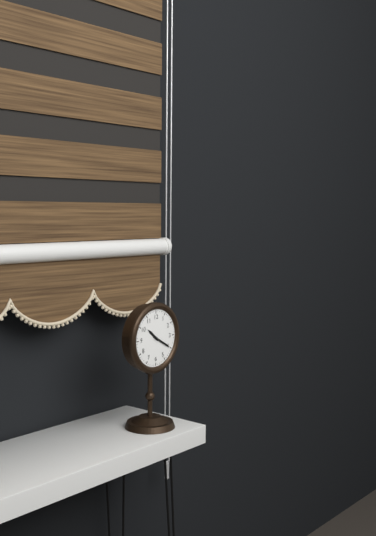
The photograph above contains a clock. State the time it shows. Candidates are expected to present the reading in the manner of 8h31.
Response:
10h20
